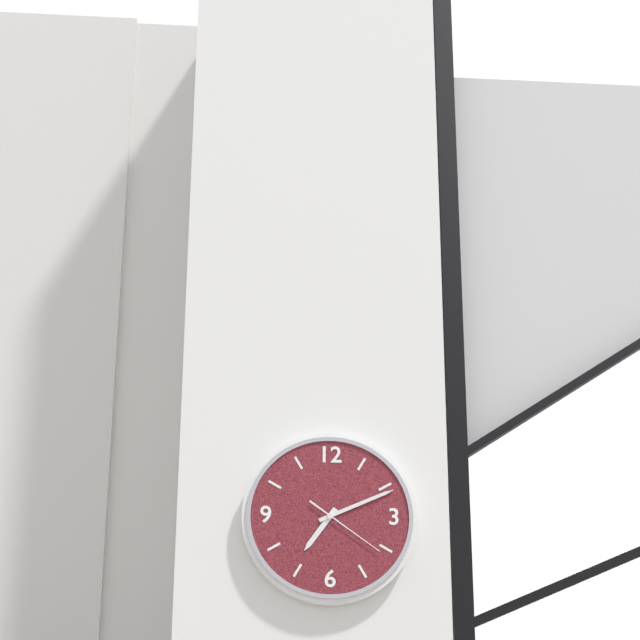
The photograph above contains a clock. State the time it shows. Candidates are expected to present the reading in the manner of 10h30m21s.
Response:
7h11m21s
